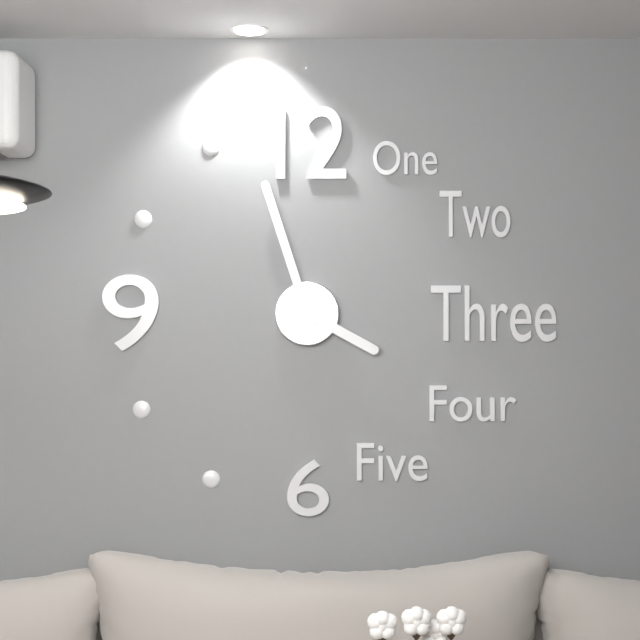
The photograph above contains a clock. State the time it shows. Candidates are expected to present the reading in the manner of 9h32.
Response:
3h57
